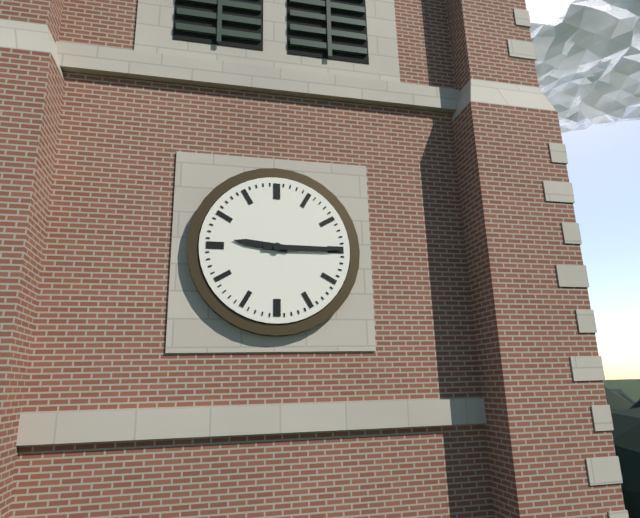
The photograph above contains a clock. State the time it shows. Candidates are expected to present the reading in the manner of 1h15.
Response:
9h15
